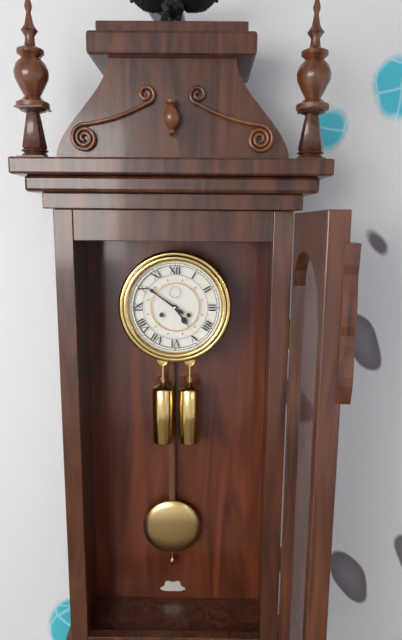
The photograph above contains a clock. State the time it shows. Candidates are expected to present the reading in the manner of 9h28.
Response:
4h51
